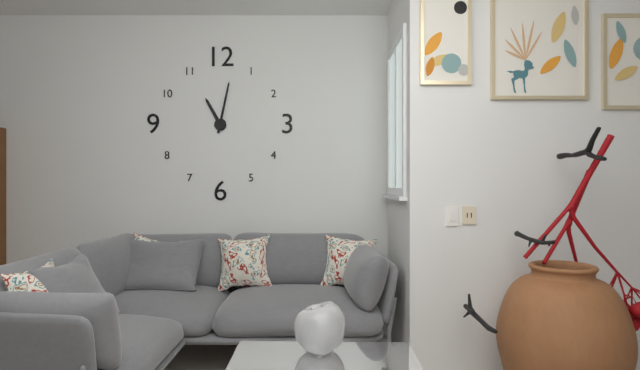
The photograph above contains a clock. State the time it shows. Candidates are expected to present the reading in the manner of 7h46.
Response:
11h02
